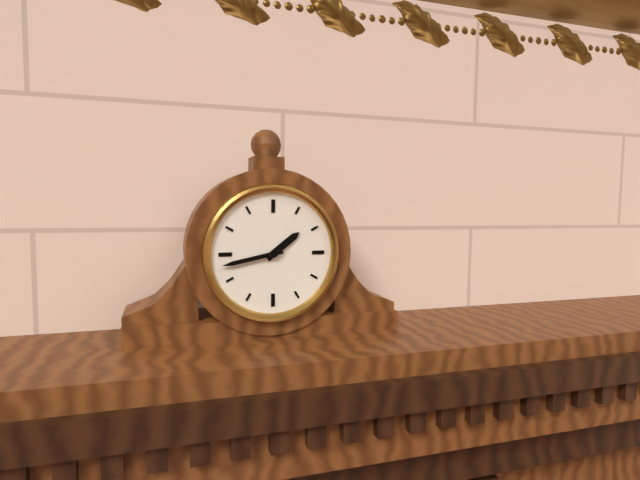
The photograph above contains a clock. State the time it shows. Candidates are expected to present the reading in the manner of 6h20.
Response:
1h43
